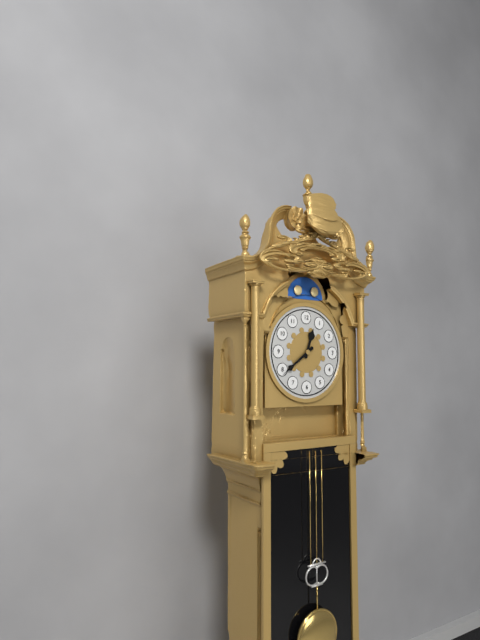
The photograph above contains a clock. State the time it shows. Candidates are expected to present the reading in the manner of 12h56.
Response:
12h39
